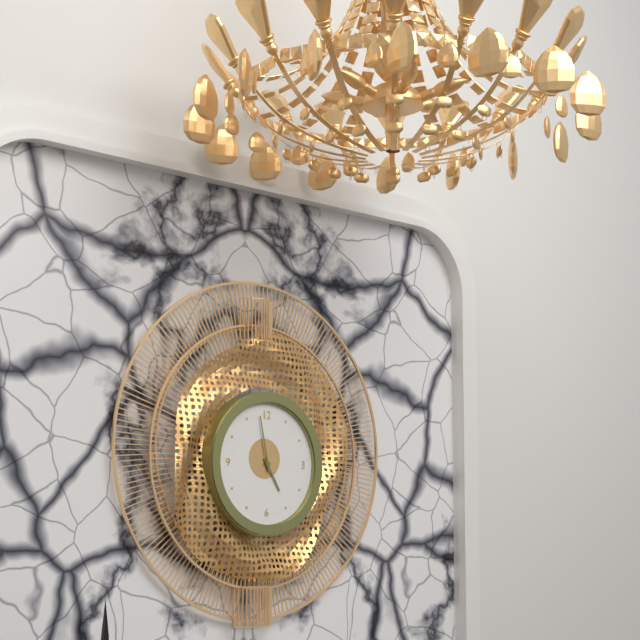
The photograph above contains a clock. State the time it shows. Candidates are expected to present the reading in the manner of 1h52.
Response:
4h58
